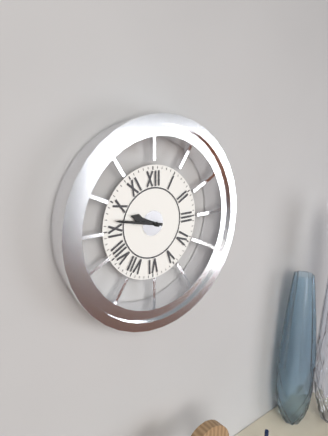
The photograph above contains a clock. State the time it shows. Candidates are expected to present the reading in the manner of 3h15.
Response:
9h47
